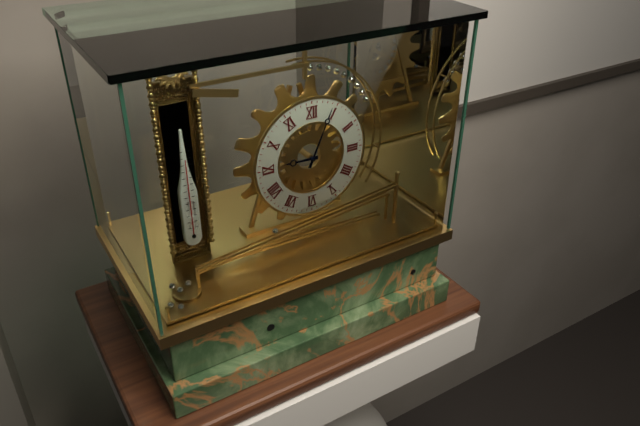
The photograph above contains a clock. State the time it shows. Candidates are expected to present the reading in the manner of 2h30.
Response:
9h04
